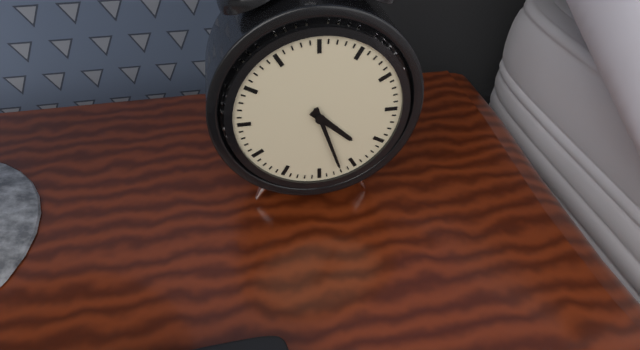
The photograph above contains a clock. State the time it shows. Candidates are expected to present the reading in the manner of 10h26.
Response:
4h27
